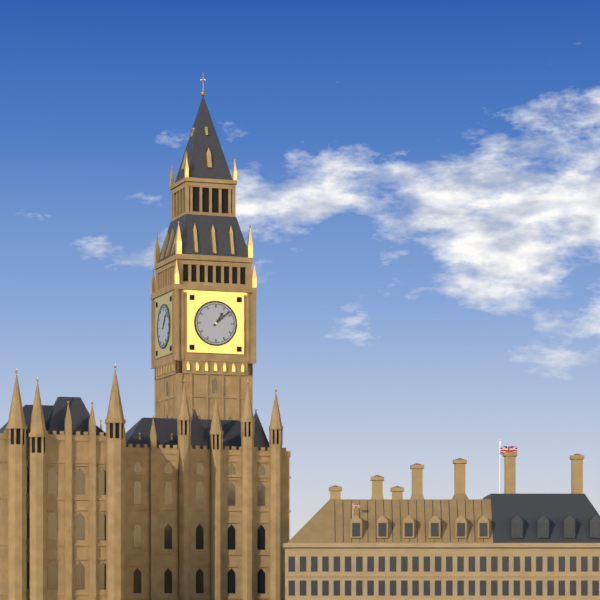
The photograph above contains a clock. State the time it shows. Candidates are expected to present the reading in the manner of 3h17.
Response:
1h08
